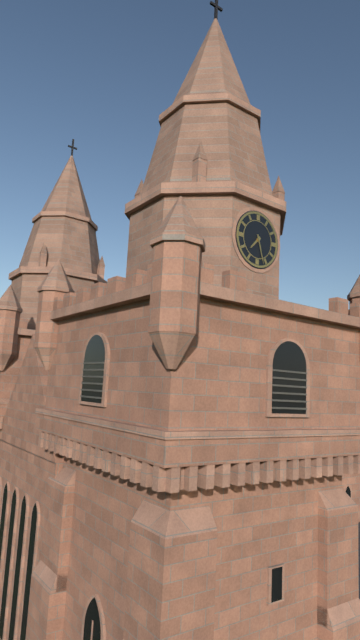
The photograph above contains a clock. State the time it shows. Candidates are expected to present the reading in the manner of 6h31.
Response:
7h27
